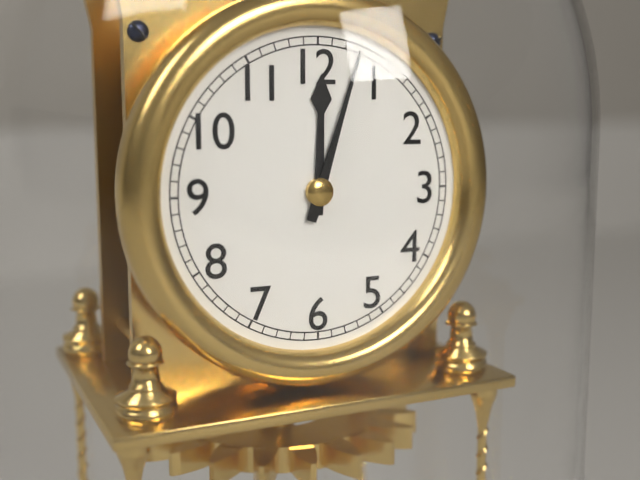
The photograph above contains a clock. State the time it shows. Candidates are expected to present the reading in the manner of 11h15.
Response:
12h03
